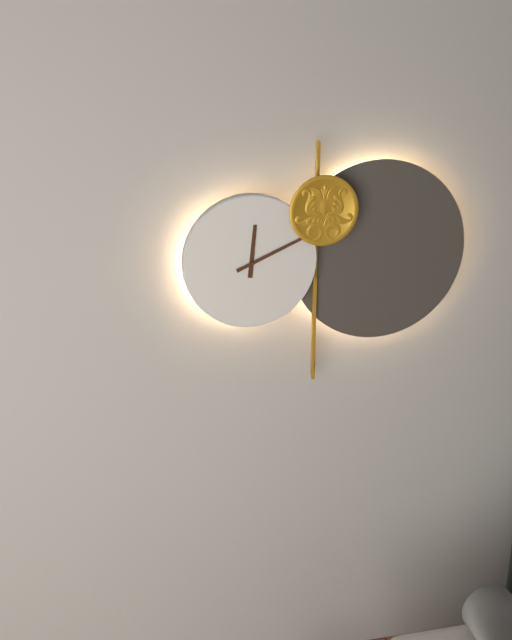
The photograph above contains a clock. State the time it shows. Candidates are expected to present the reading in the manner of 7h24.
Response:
12h11
